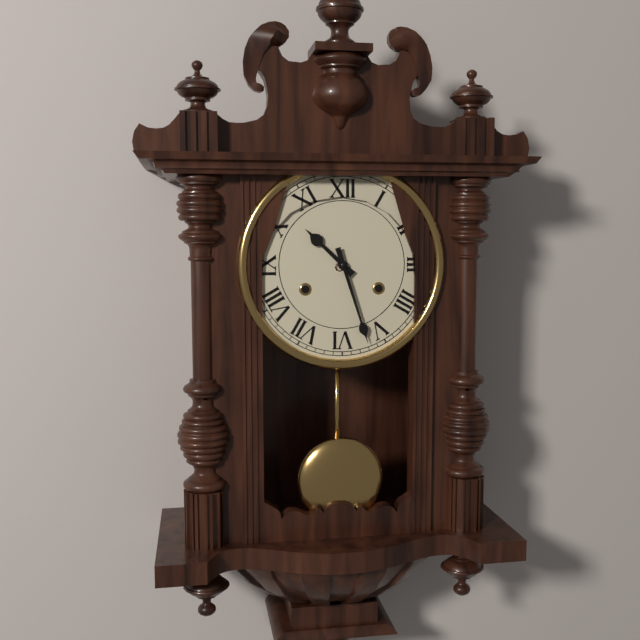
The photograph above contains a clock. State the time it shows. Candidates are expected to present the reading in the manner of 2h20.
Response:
10h27
